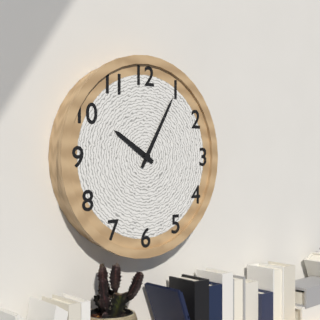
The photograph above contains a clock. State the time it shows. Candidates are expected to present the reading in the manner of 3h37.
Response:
10h05
